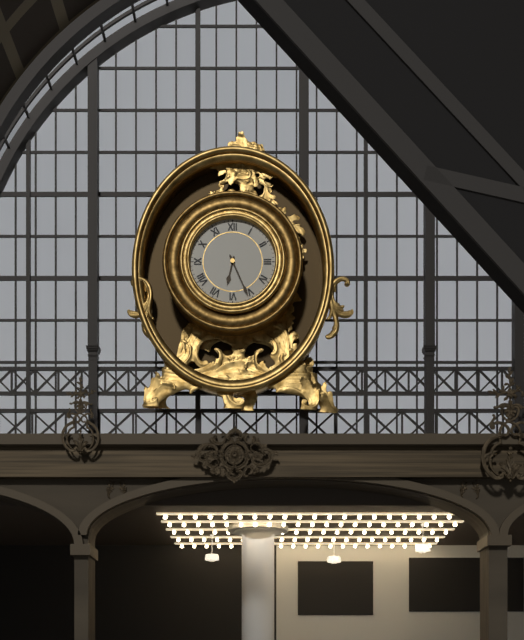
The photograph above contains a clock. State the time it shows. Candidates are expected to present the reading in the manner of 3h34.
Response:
6h26
